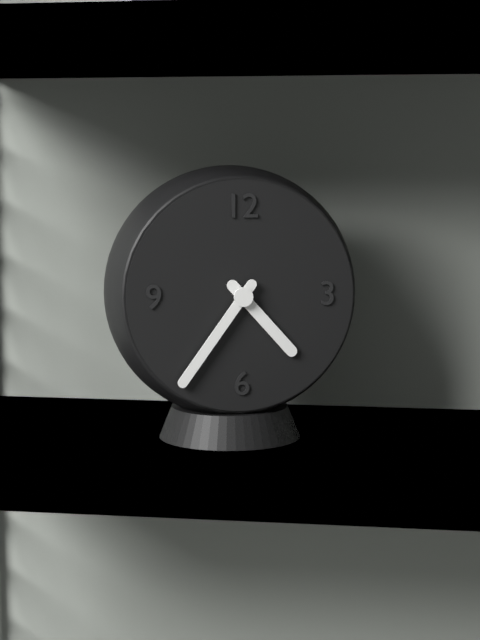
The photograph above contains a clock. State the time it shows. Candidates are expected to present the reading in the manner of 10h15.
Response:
4h36
